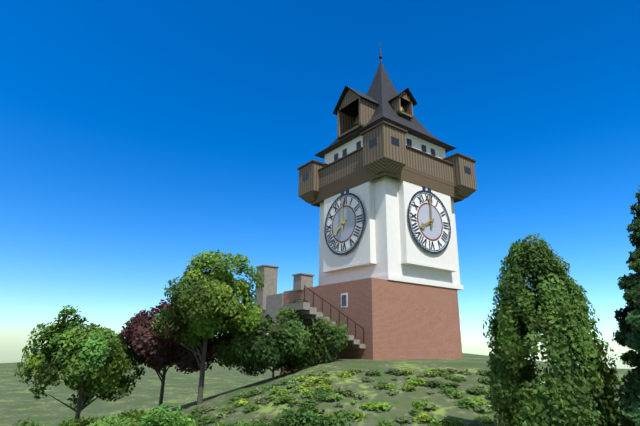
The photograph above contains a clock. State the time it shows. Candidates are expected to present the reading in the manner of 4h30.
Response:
8h00
